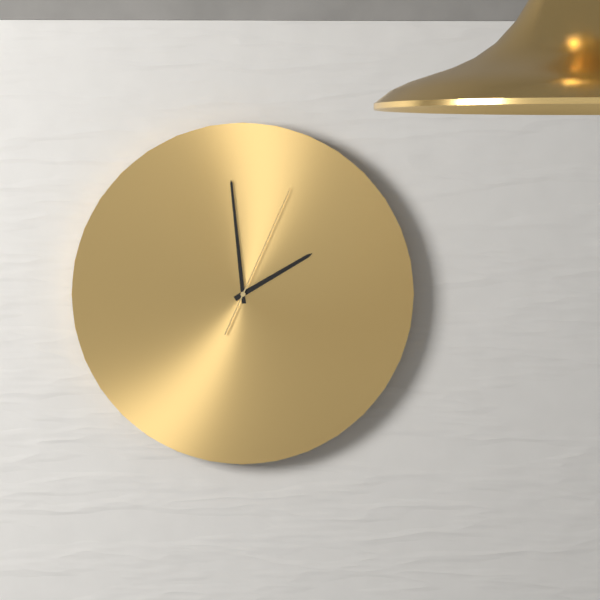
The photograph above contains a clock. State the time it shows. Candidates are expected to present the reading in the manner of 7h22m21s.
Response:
1h59m04s
